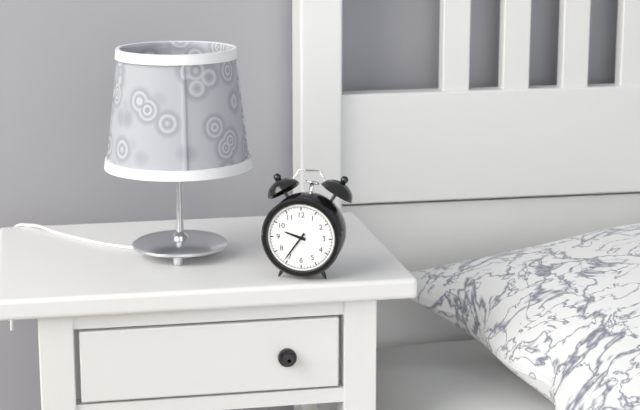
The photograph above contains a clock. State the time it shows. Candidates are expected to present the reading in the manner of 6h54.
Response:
9h36
